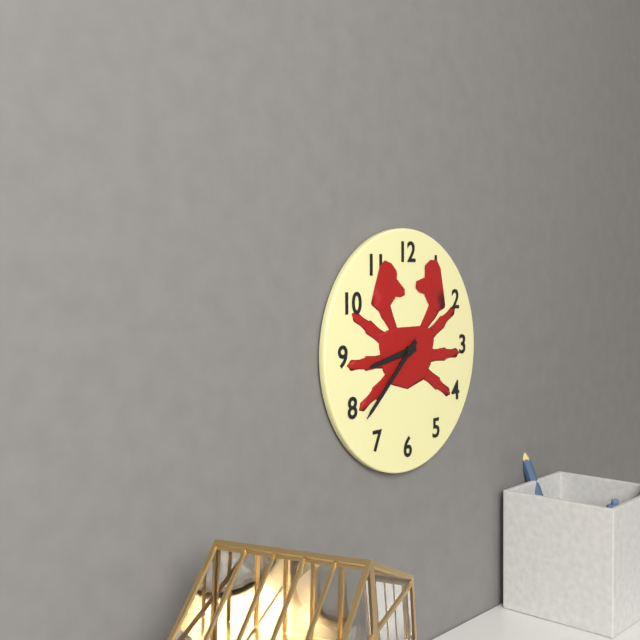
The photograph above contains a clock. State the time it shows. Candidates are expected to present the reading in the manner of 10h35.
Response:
8h38
